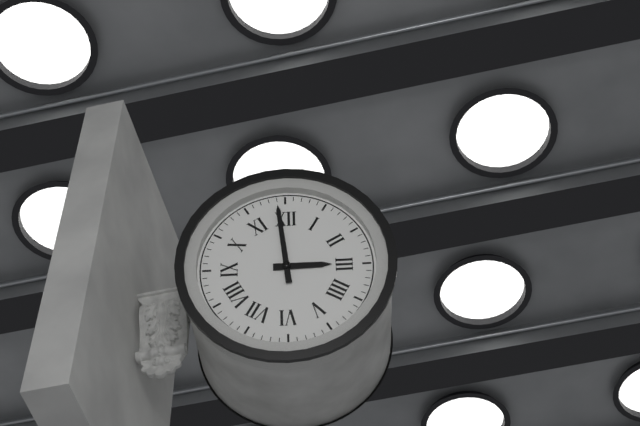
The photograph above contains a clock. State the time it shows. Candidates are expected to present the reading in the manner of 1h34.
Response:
2h59
